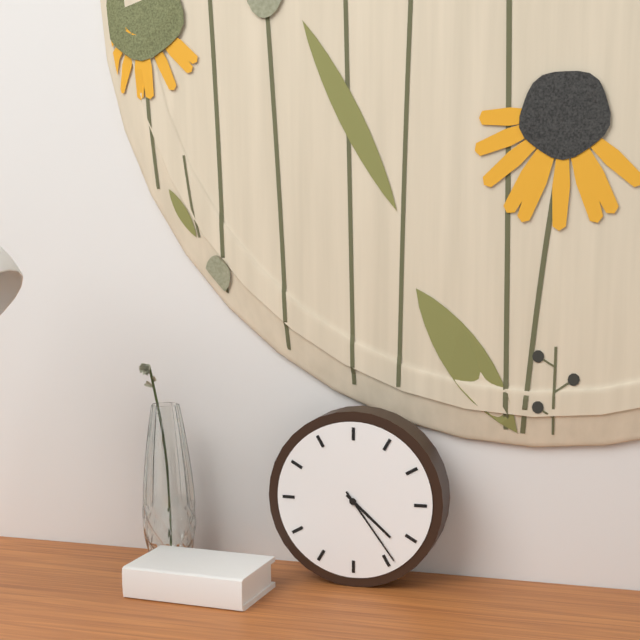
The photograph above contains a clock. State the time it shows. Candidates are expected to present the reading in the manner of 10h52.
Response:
4h24
